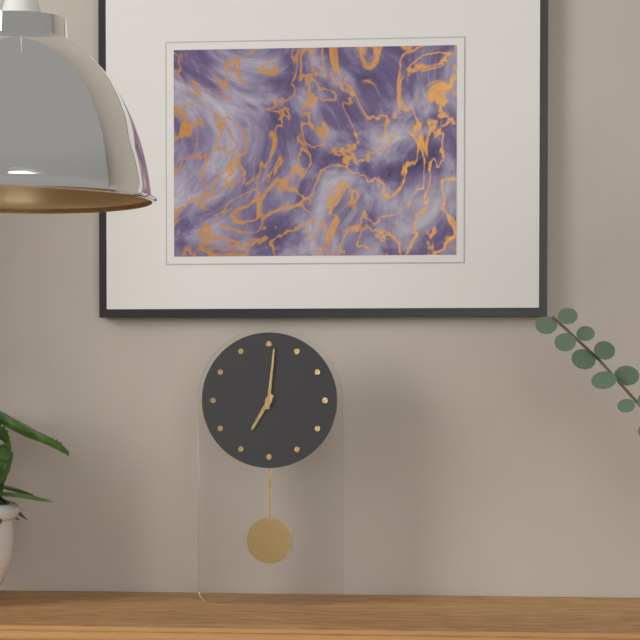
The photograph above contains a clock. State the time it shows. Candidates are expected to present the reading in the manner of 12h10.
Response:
7h01
